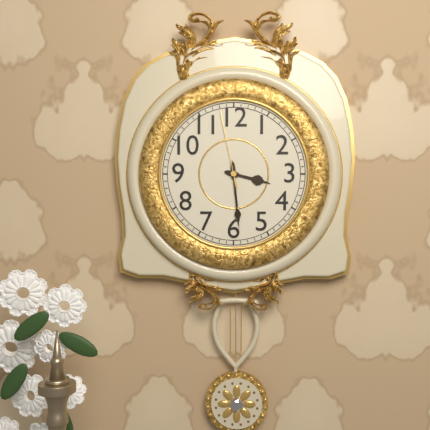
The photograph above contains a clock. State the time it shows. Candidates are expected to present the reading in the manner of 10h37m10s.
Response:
3h29m58s
